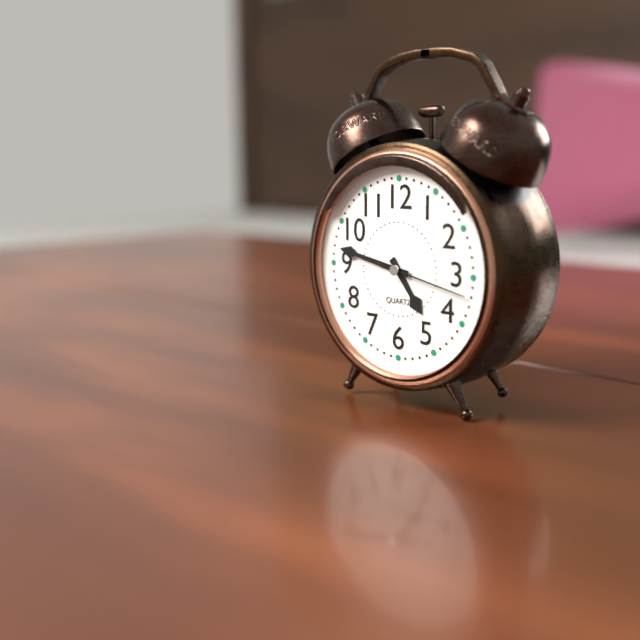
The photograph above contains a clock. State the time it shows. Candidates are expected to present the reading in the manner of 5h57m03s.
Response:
4h47m17s
